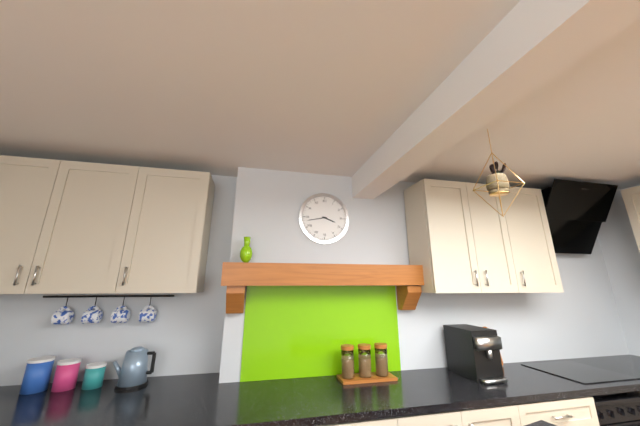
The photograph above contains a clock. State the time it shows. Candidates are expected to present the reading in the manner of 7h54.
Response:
3h43
